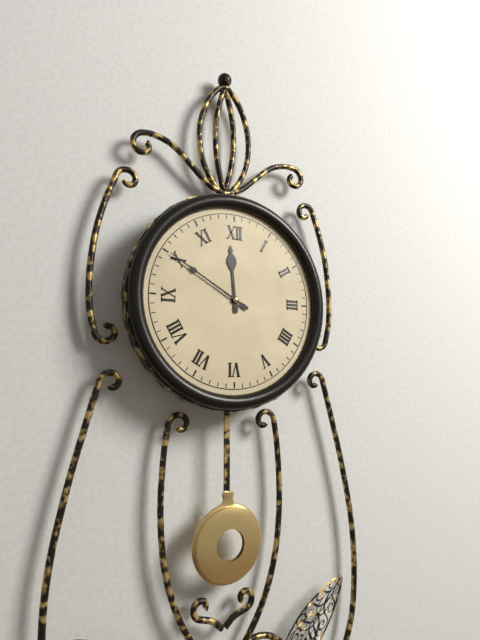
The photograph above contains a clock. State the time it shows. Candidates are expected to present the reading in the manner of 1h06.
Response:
11h50
